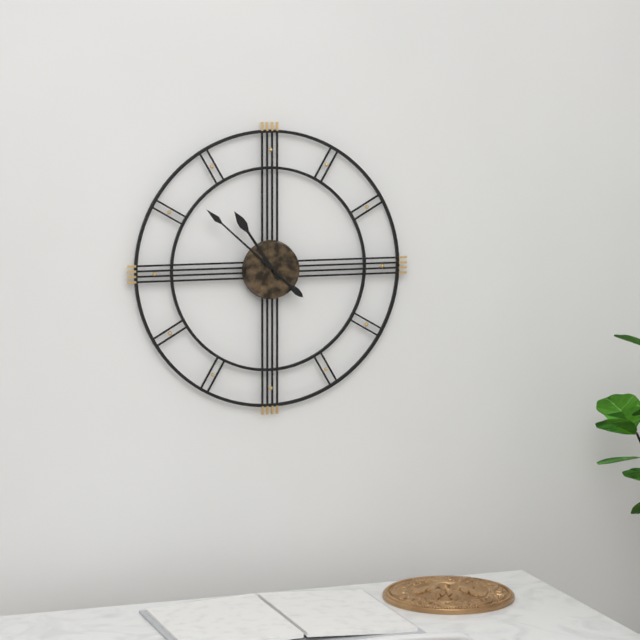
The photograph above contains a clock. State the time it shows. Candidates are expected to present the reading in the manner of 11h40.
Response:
10h52
